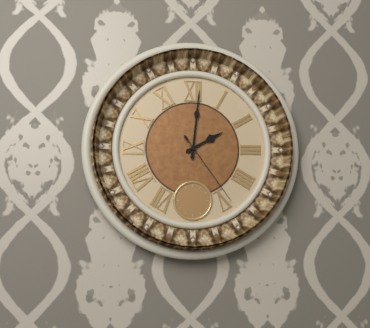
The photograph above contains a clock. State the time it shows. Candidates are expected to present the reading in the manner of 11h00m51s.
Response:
2h01m24s
